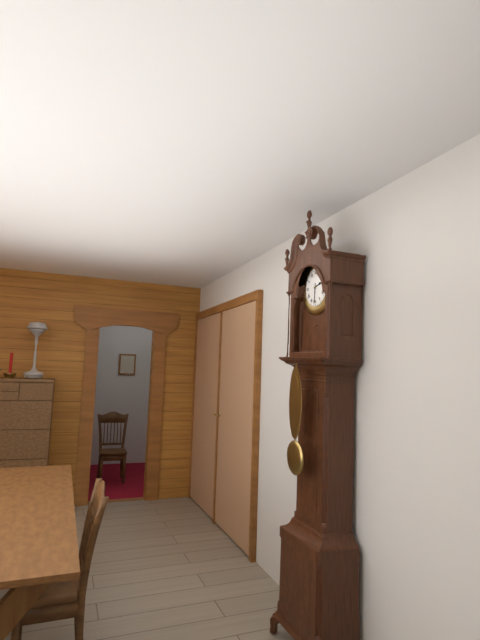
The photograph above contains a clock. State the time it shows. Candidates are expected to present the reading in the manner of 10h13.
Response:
2h31
